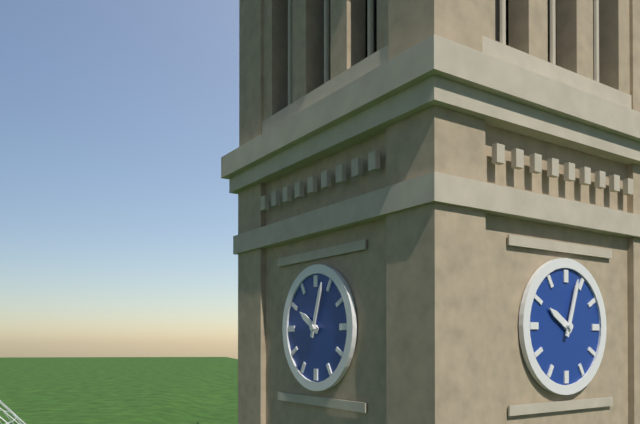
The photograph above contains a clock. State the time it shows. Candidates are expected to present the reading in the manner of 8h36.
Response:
10h03
